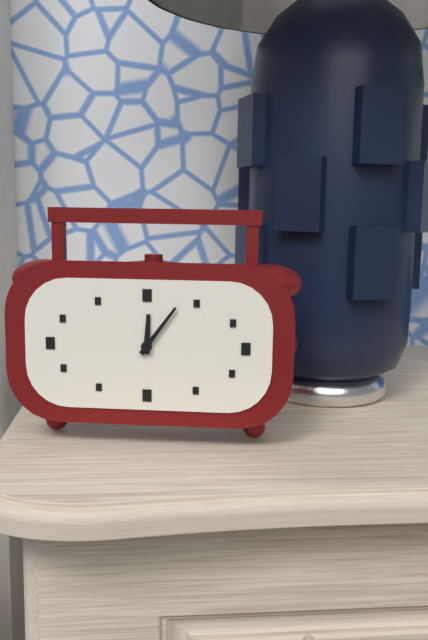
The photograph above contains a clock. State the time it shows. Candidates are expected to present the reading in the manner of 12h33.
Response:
12h06
